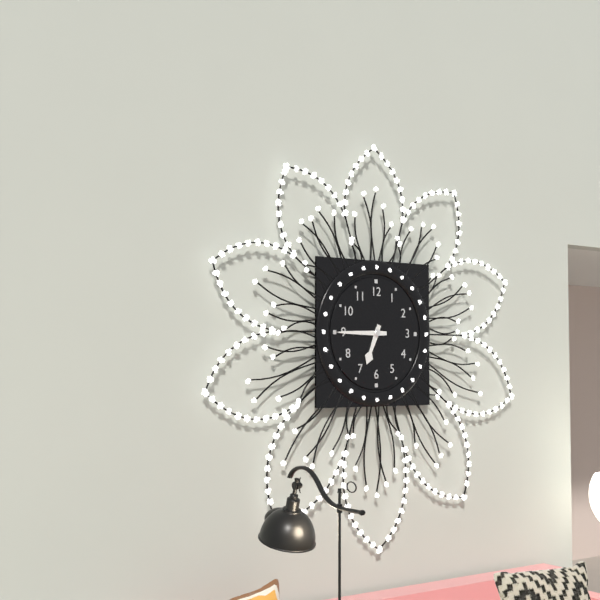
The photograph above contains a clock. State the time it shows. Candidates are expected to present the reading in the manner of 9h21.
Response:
6h45
